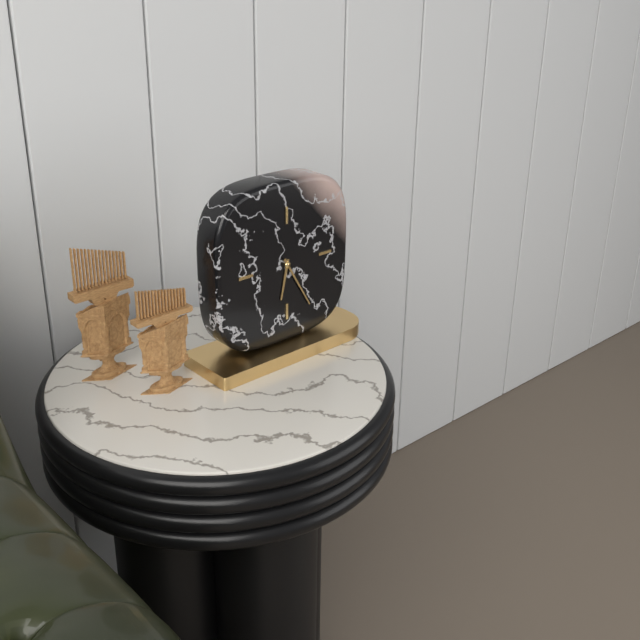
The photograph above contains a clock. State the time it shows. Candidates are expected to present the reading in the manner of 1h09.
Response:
6h25
